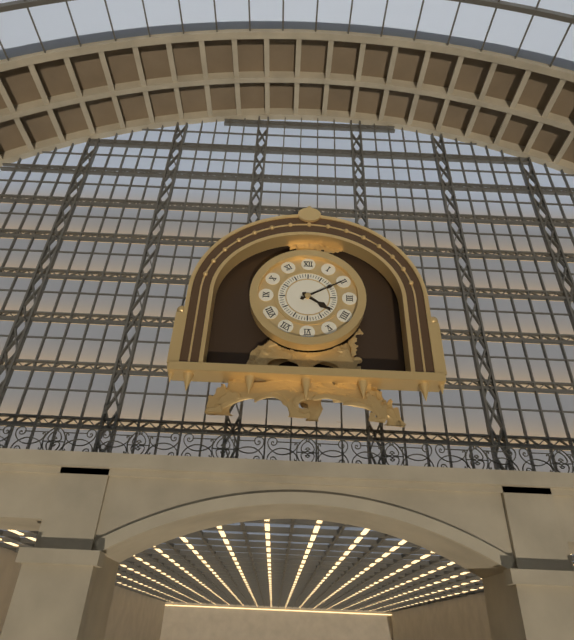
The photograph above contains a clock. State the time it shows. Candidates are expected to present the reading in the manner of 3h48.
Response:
4h10
